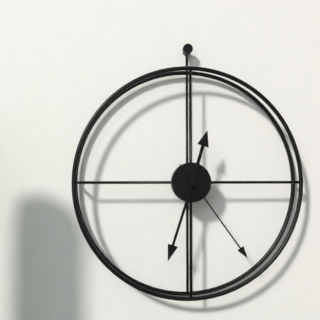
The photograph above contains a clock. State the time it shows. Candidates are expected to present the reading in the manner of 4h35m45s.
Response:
12h33m24s
